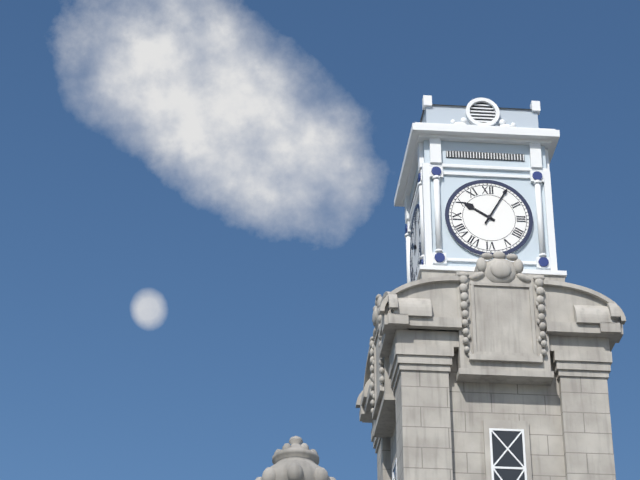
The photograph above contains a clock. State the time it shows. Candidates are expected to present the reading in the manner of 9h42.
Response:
10h05
